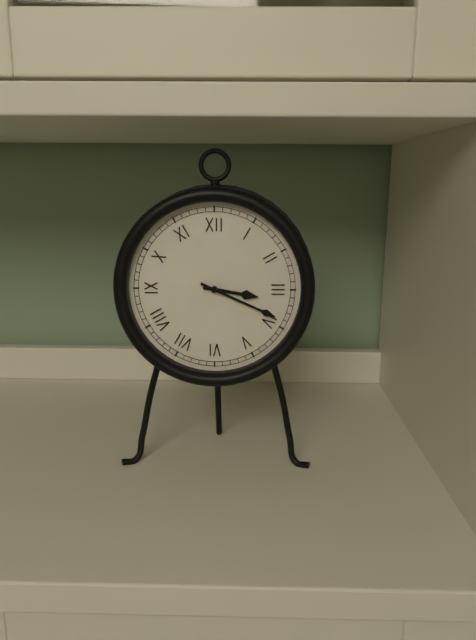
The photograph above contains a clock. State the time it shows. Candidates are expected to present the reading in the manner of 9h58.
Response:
3h19
